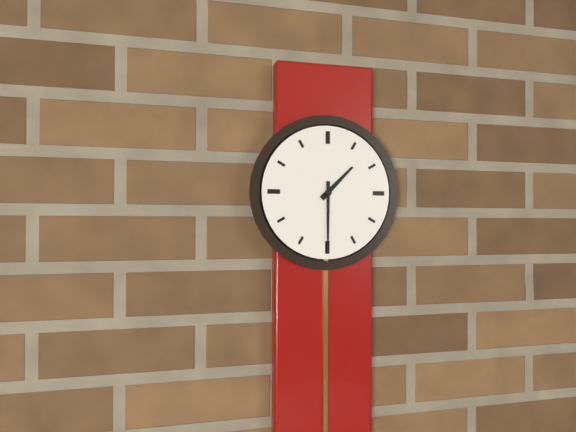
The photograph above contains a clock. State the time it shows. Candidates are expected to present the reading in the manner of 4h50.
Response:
1h30
